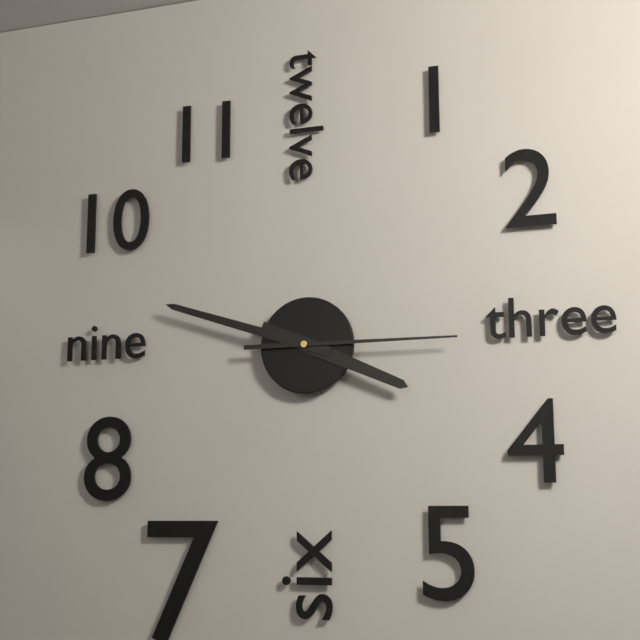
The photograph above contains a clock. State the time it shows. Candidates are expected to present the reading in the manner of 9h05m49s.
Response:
3h48m15s
